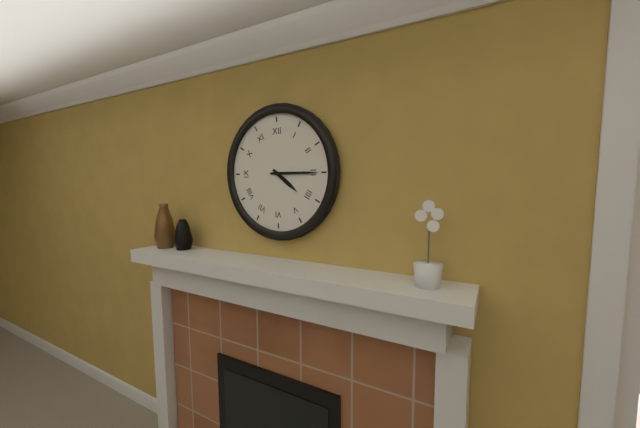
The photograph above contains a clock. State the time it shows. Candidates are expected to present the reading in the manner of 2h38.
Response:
4h15
